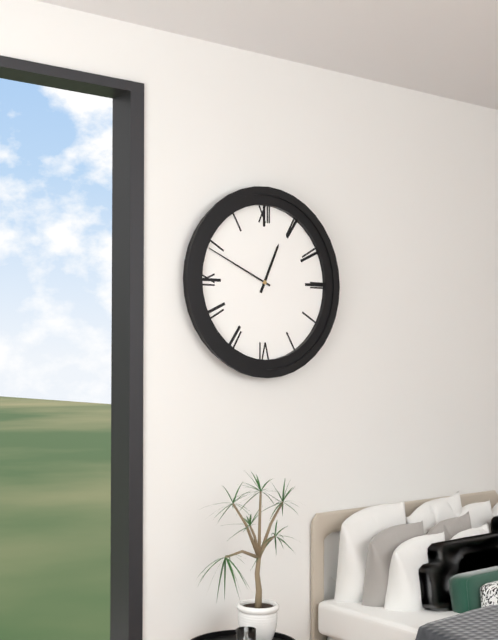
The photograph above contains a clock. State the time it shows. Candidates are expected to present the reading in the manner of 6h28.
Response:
12h49
